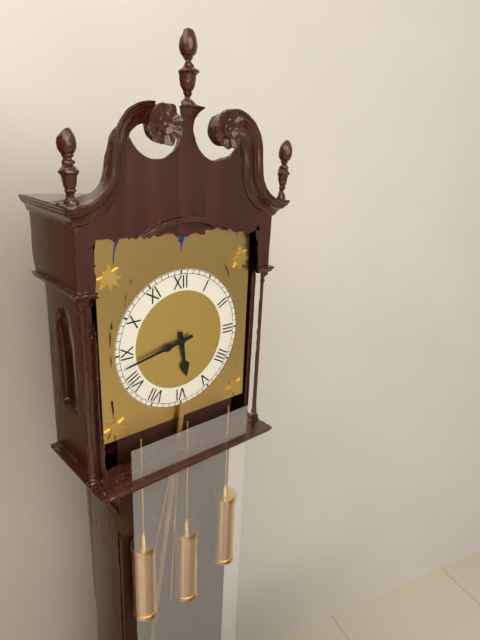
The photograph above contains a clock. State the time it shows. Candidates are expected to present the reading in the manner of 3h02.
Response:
5h43
